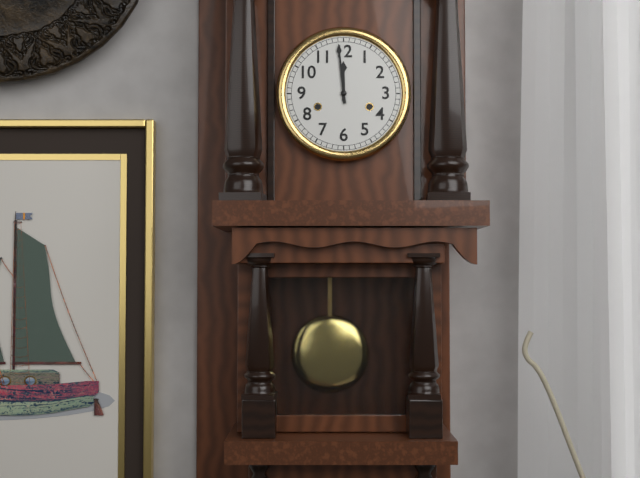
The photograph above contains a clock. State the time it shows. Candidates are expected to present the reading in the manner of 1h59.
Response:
11h59
